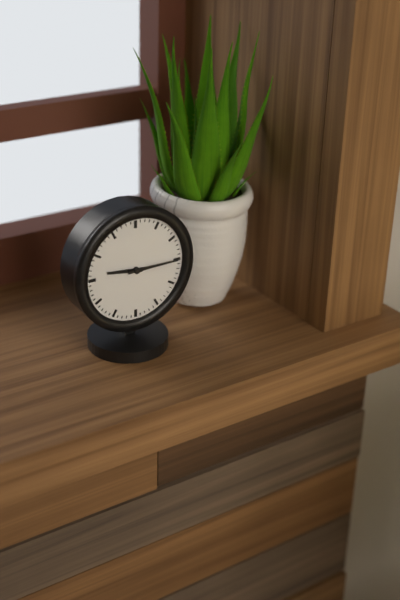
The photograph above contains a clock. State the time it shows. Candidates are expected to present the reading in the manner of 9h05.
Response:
9h15
